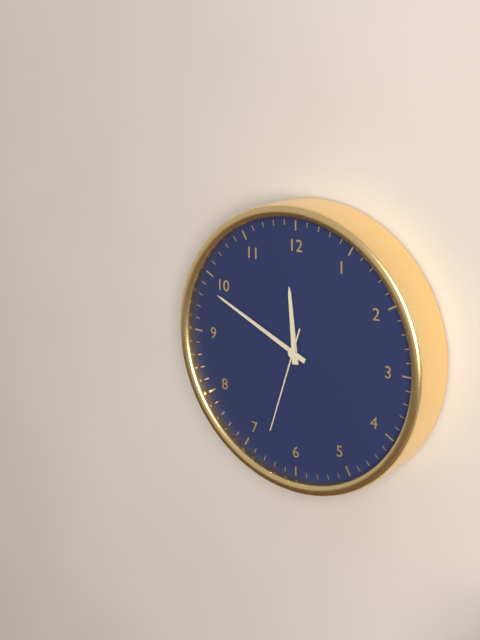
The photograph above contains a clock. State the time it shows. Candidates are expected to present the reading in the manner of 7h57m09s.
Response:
11h49m33s
